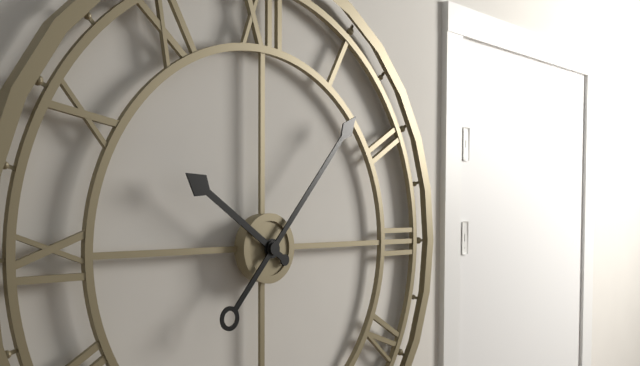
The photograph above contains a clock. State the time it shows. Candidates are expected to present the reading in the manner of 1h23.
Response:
10h07
